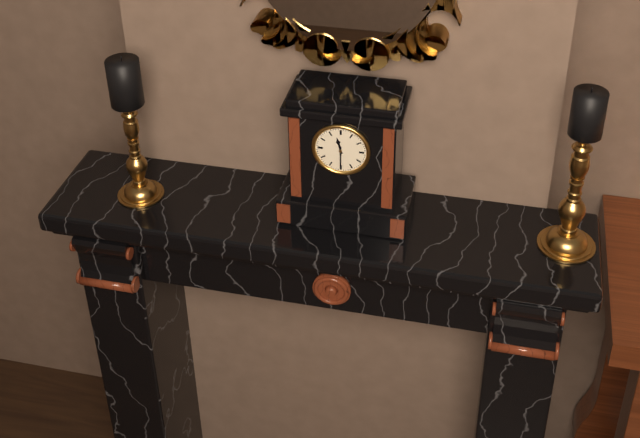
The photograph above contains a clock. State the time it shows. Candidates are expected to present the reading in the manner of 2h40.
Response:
11h30
